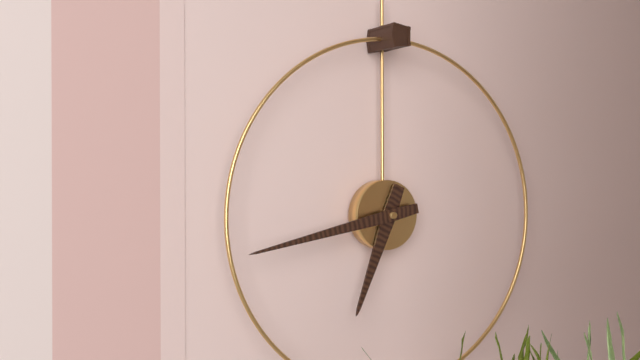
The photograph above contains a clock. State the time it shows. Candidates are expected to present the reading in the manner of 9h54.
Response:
6h43
